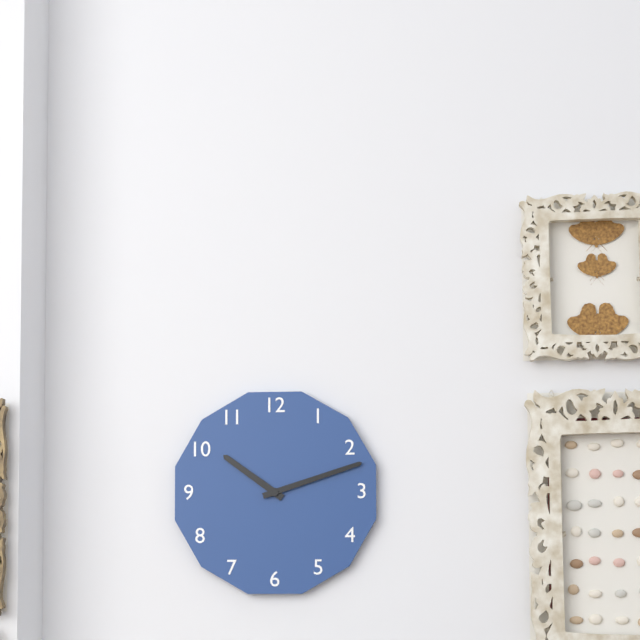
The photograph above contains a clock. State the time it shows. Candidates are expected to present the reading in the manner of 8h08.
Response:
10h12
